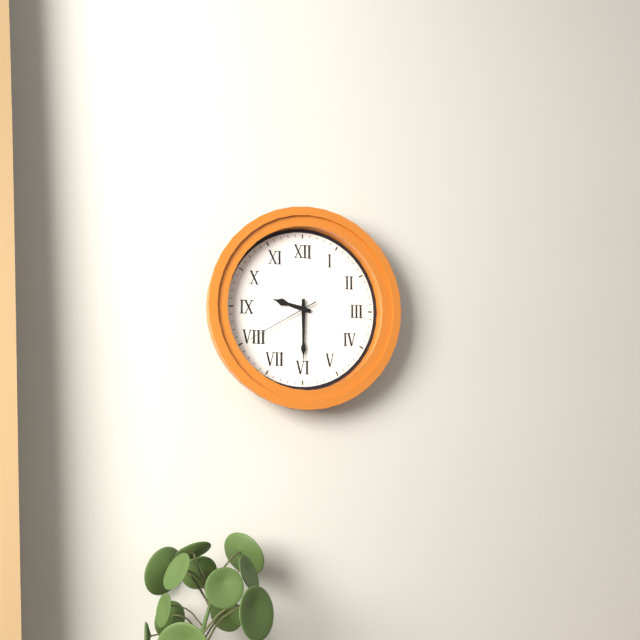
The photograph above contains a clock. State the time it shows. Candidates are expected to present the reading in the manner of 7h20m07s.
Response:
9h30m40s
